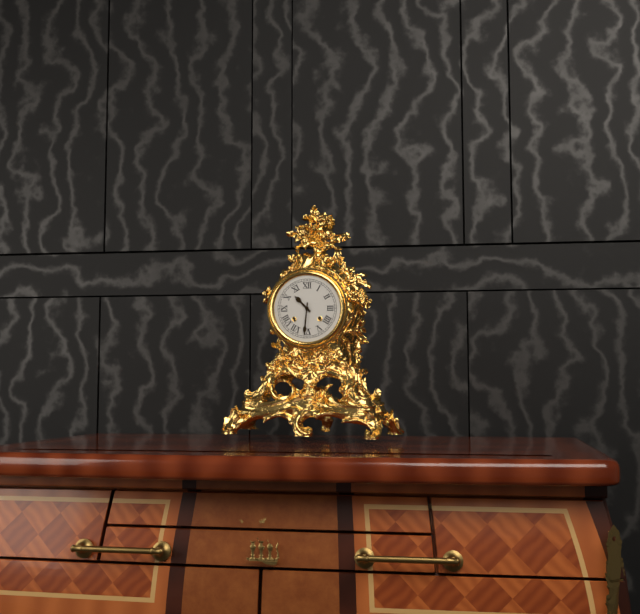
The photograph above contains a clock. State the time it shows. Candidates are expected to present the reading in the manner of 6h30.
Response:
10h31
